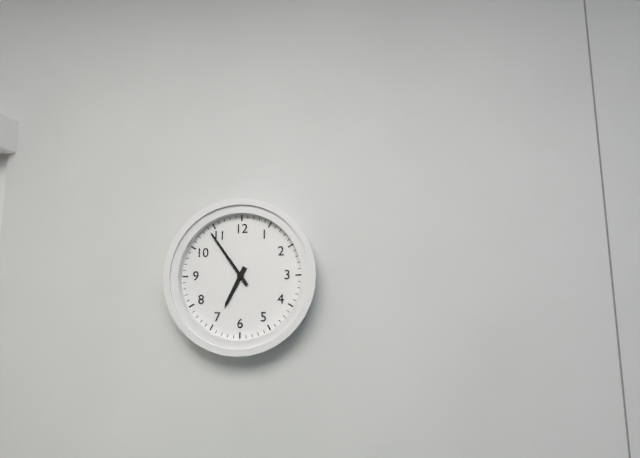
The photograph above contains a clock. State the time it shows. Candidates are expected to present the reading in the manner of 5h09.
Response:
6h54
